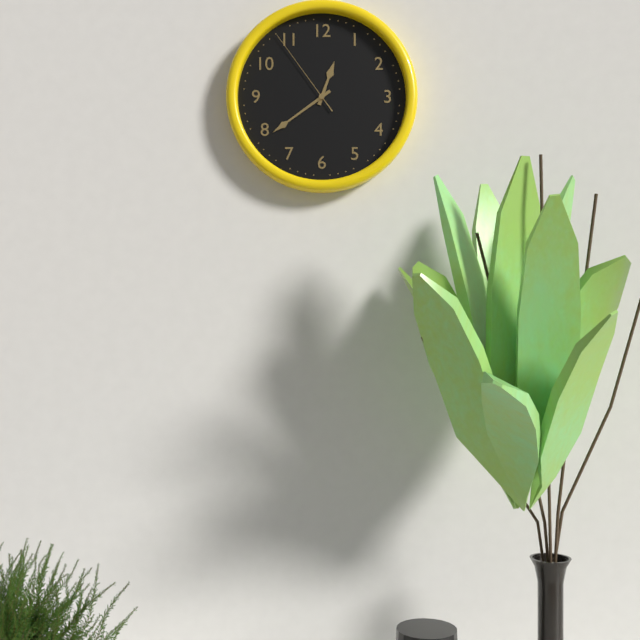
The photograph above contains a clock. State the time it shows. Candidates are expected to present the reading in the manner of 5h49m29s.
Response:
12h39m54s
